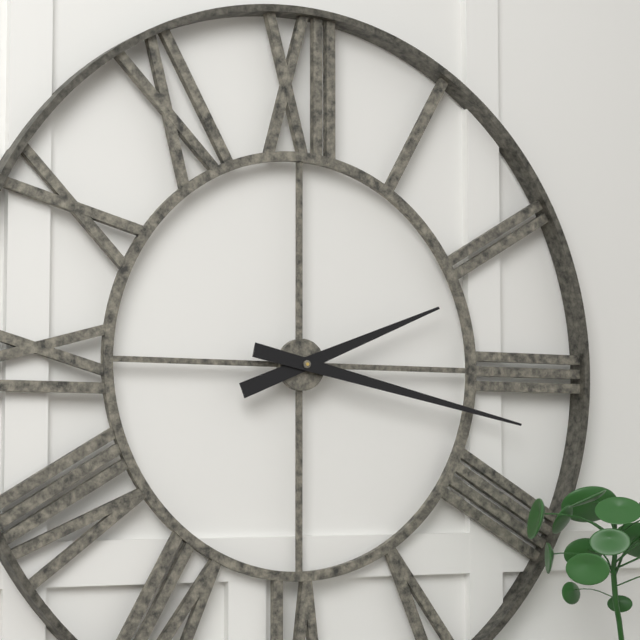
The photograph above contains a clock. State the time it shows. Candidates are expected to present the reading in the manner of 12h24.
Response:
2h17
